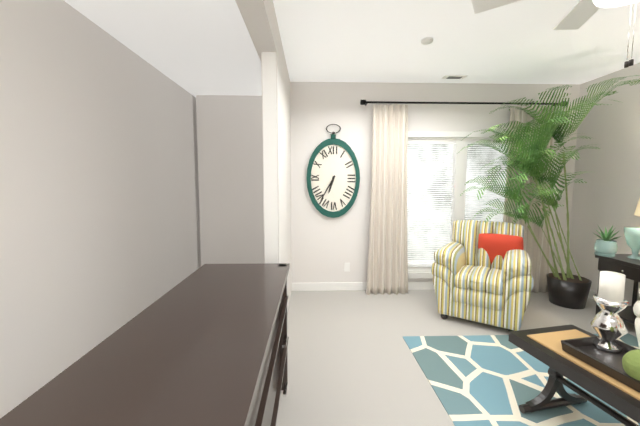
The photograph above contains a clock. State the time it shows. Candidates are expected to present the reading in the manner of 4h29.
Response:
6h35
